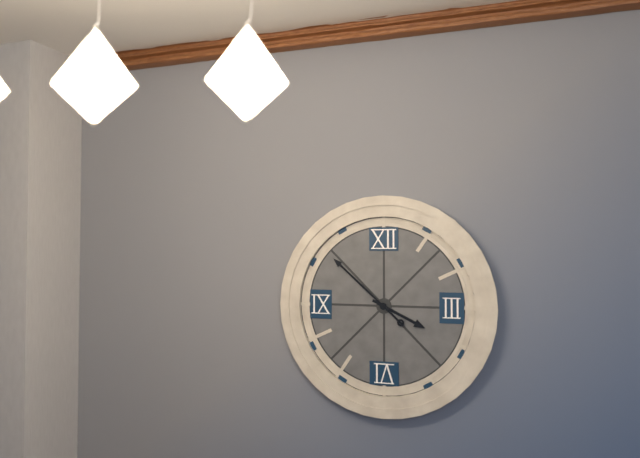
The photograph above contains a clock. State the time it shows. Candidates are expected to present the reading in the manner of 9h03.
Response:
3h52
